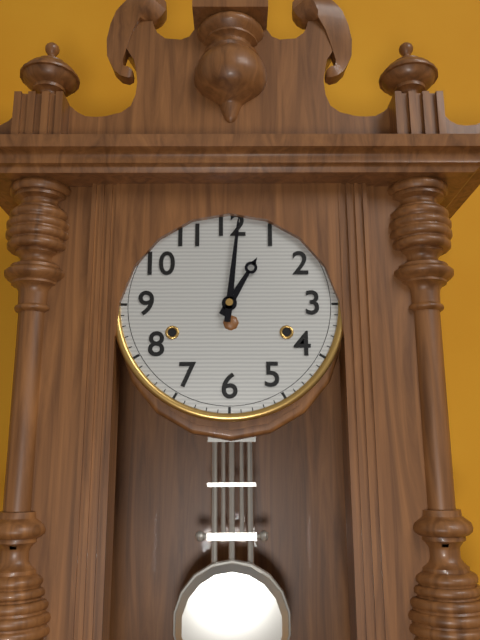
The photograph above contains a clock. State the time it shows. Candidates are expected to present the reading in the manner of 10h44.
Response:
1h01
